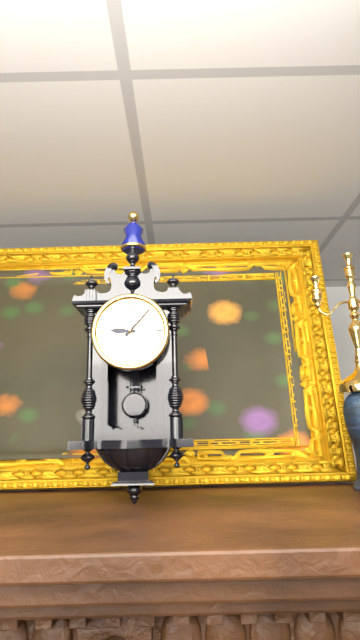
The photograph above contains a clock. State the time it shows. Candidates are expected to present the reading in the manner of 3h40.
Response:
9h07
